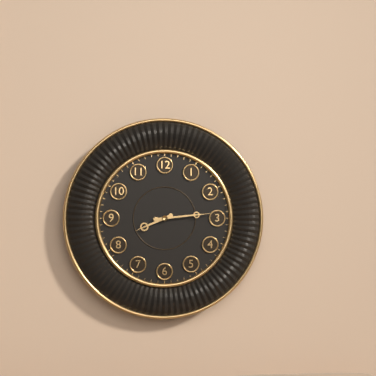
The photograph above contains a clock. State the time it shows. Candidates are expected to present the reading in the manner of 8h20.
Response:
8h14
